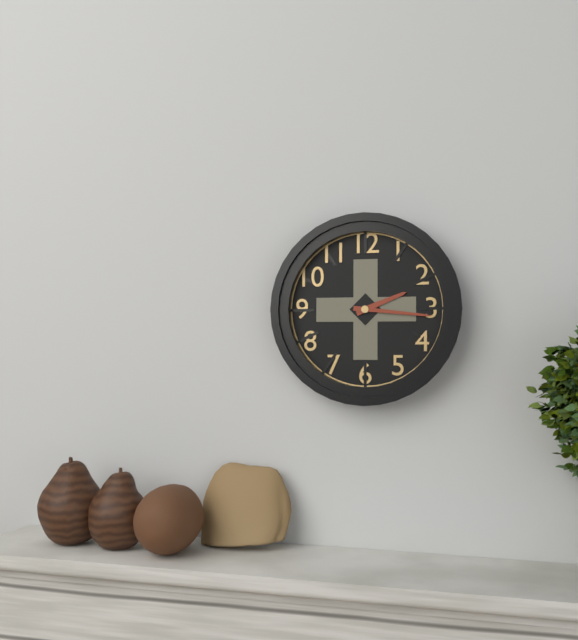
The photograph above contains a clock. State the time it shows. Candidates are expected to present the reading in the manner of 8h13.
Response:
2h16
